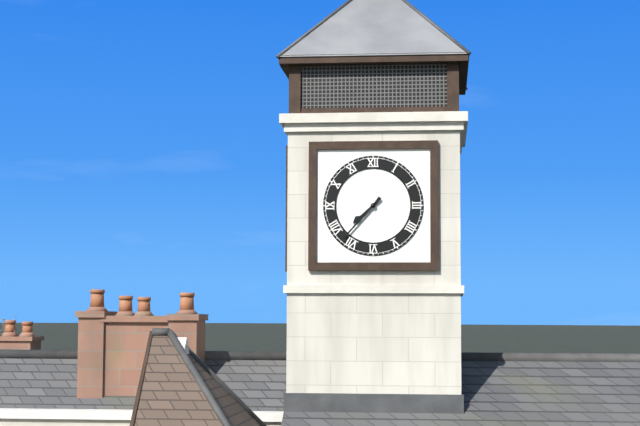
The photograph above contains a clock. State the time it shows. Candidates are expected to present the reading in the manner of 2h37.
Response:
7h37
